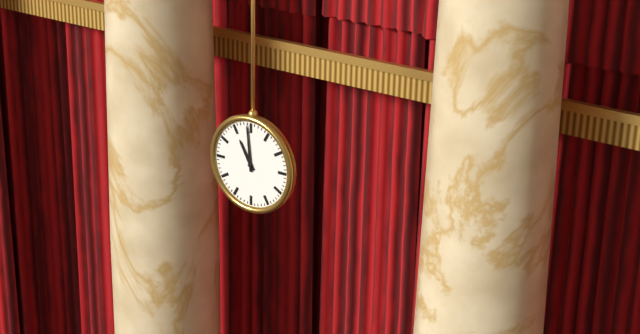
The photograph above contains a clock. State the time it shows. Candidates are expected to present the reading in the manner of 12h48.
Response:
10h59
